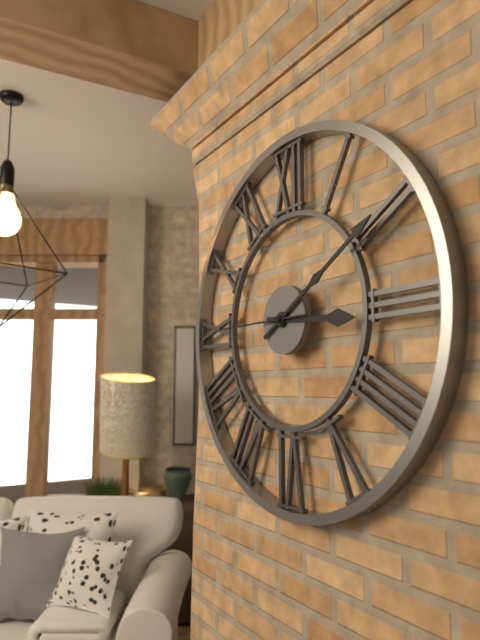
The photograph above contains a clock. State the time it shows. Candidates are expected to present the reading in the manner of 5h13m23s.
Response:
3h10m45s
